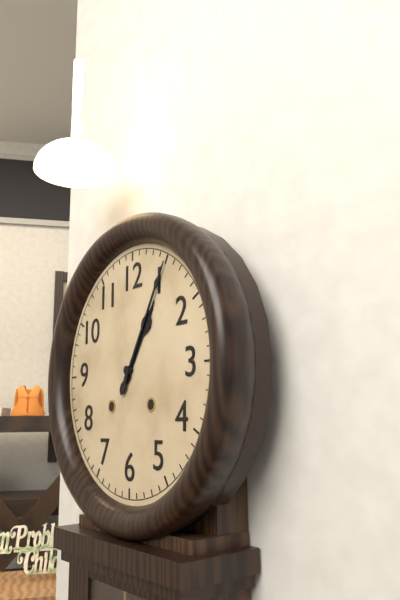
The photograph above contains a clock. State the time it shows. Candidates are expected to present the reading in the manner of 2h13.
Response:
1h05
